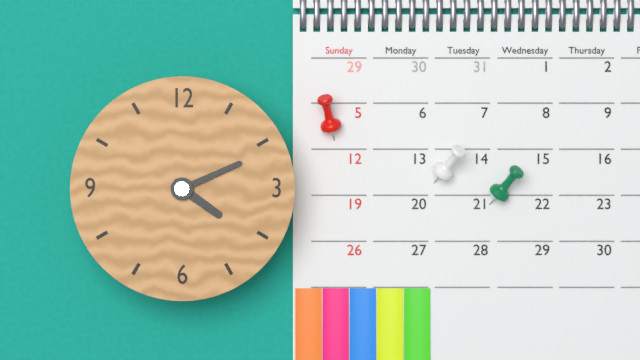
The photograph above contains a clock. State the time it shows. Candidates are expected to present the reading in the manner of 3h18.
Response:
4h11
